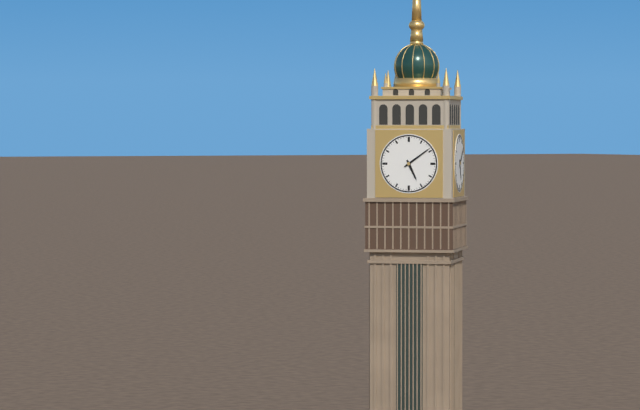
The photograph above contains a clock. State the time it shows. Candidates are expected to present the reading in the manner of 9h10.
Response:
5h09
